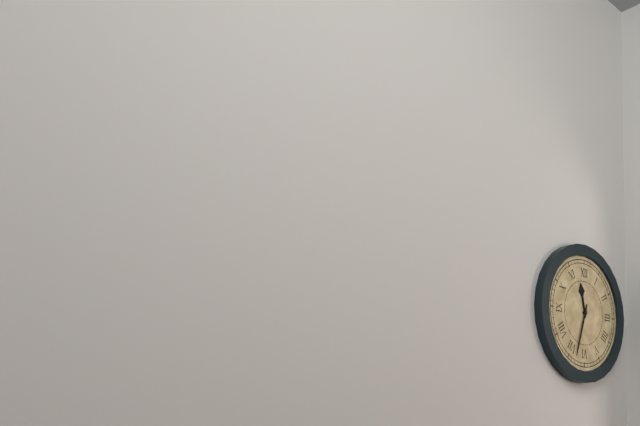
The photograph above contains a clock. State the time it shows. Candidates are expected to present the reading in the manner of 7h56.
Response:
11h33
